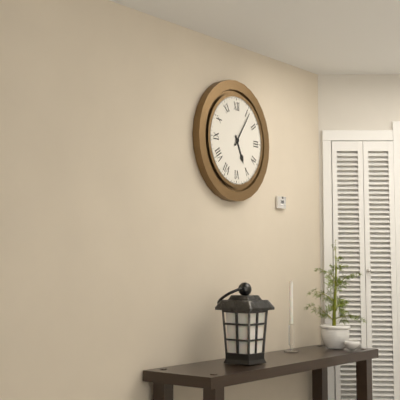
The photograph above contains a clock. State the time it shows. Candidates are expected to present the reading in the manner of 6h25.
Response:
5h06
